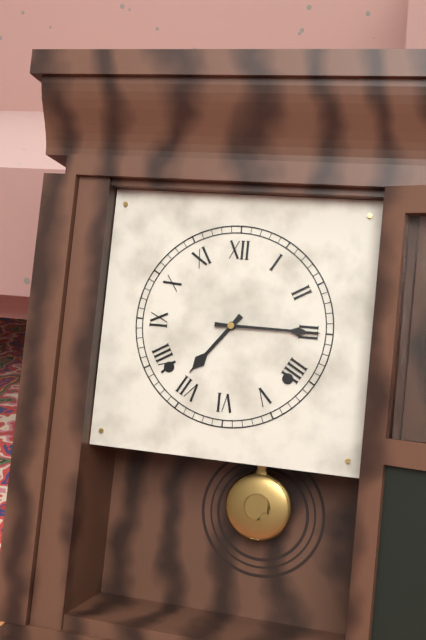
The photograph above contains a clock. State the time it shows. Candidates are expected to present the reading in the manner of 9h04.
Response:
7h15
